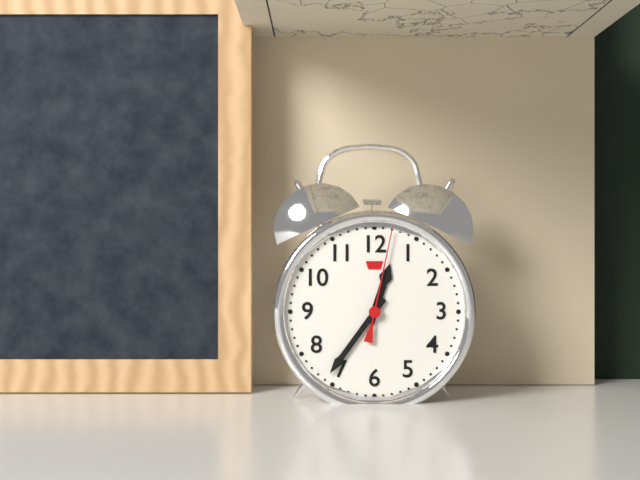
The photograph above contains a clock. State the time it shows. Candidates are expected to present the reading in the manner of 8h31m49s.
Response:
12h36m02s
